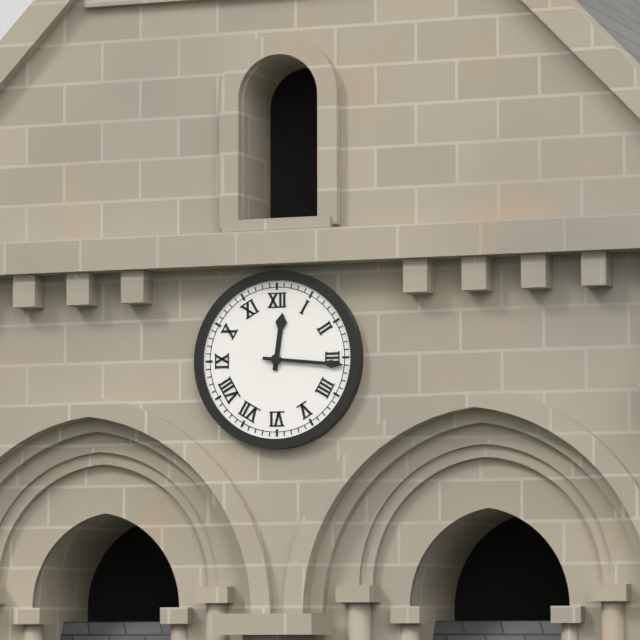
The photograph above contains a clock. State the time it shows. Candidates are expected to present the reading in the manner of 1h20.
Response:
12h16
